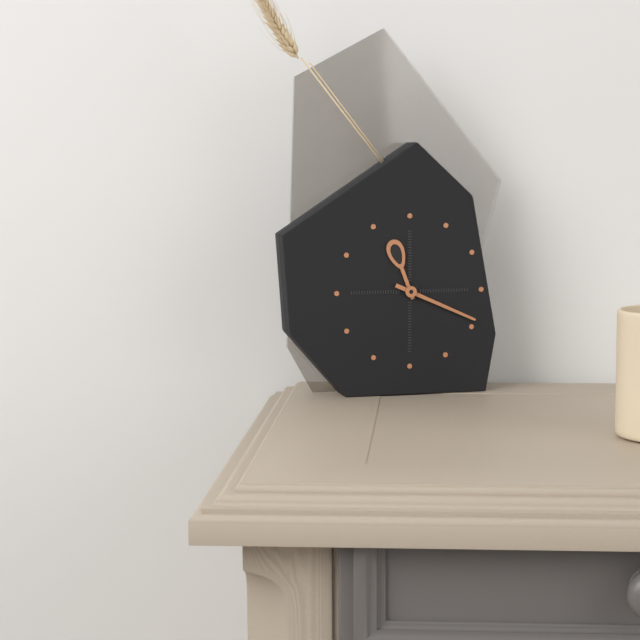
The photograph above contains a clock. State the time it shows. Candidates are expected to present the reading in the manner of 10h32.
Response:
11h19
